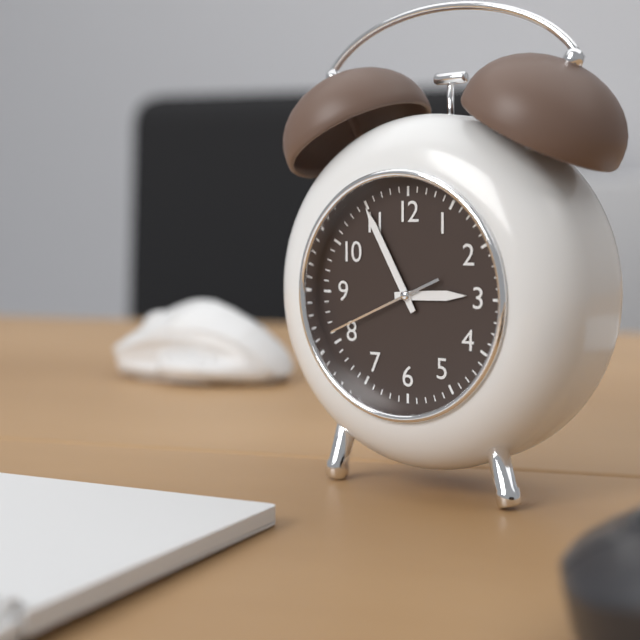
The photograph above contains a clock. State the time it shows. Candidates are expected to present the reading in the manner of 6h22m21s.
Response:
2h55m41s
